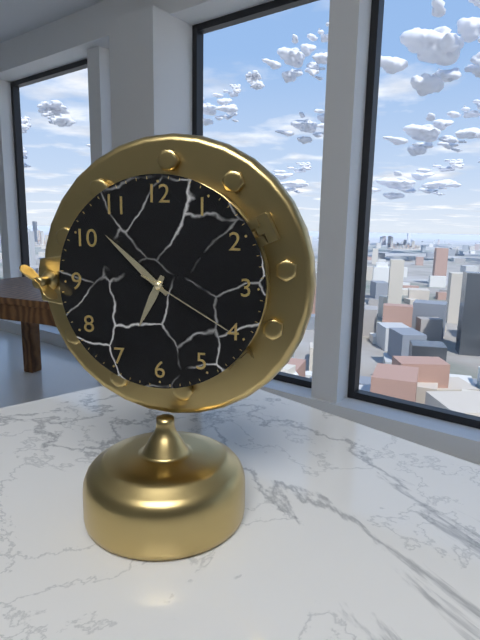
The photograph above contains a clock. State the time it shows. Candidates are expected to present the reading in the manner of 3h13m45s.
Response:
6h52m20s
